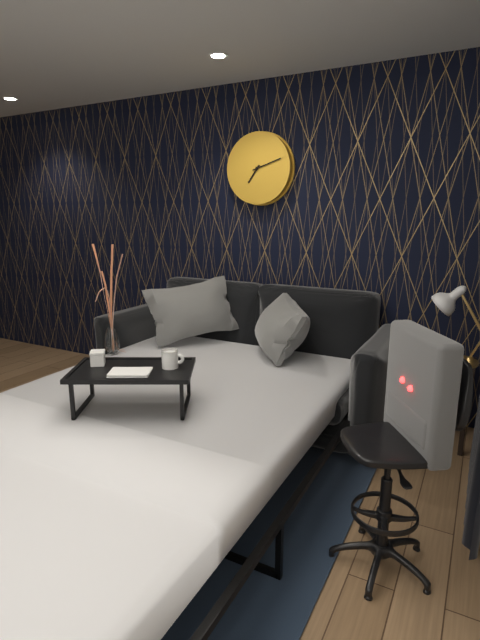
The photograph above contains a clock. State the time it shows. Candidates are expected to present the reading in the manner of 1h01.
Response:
7h12
